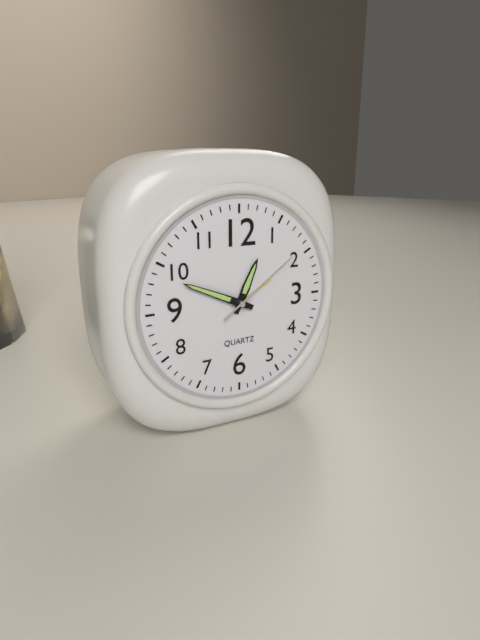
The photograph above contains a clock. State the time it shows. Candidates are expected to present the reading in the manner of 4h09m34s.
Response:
12h49m09s
